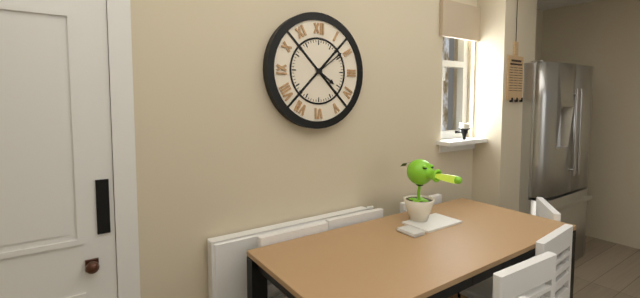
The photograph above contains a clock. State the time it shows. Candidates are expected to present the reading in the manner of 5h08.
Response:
4h09
